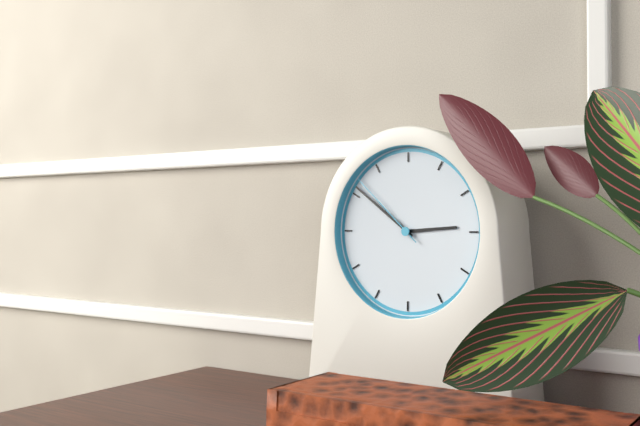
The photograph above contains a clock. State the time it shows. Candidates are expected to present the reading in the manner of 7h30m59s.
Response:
2h51m52s
